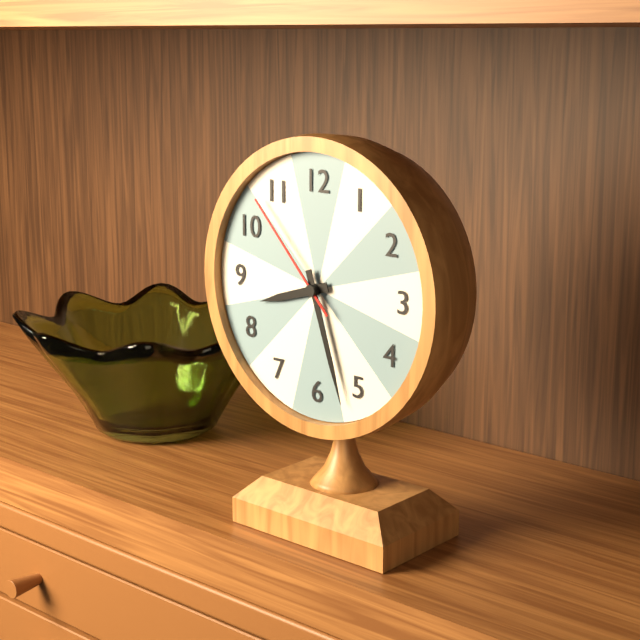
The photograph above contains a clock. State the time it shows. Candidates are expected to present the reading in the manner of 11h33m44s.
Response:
8h27m53s
